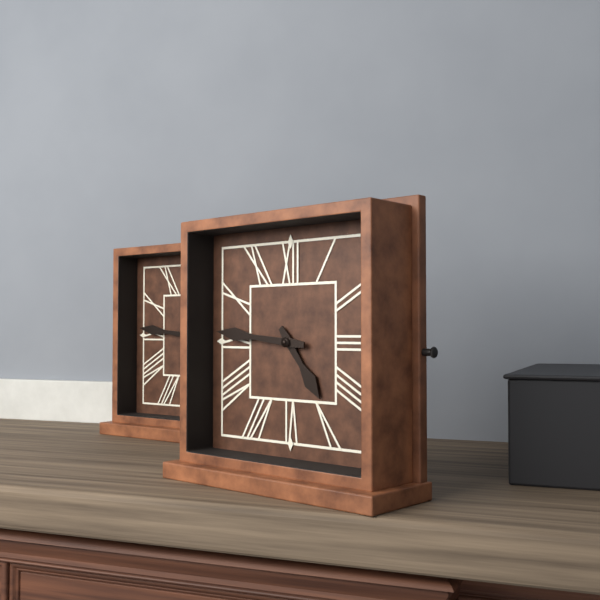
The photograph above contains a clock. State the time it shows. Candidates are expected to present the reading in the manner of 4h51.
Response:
4h46
